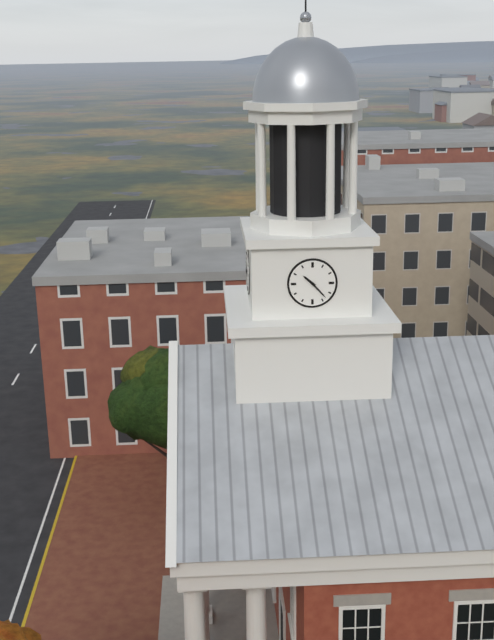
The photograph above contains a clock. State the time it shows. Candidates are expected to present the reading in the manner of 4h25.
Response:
10h23
